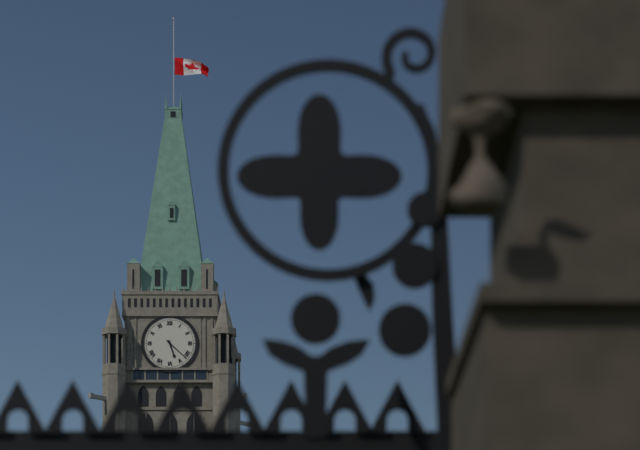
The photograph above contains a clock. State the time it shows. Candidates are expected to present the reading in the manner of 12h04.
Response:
5h22
